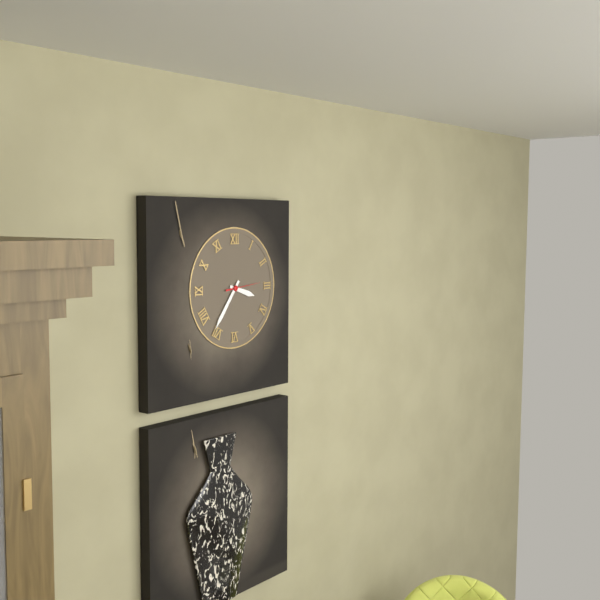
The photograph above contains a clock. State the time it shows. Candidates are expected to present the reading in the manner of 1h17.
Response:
3h36
